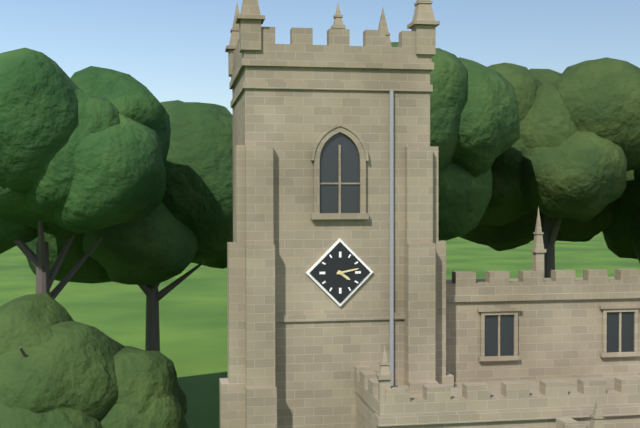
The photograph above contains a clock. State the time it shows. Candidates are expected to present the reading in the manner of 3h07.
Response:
4h13
